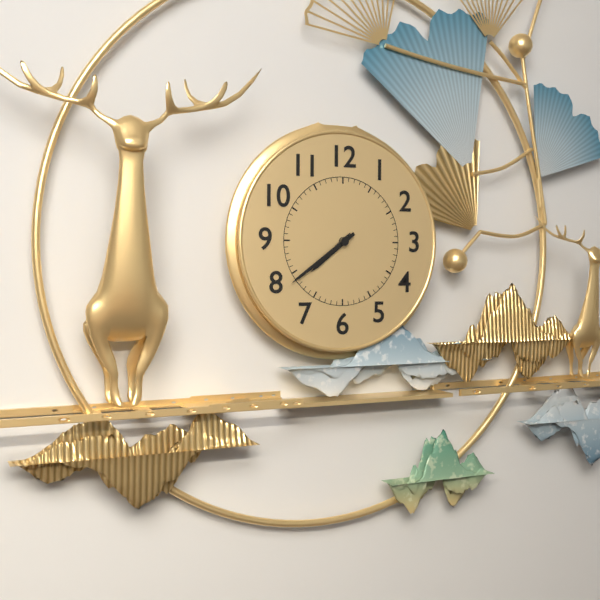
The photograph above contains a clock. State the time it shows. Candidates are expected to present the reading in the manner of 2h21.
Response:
7h39
